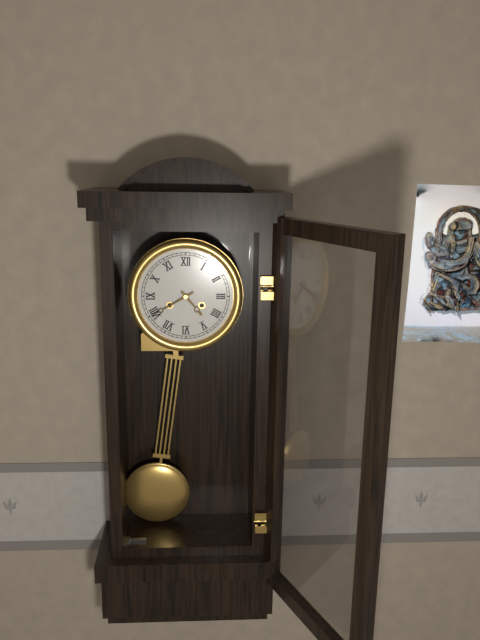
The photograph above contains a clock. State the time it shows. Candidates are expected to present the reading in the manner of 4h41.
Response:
4h40
